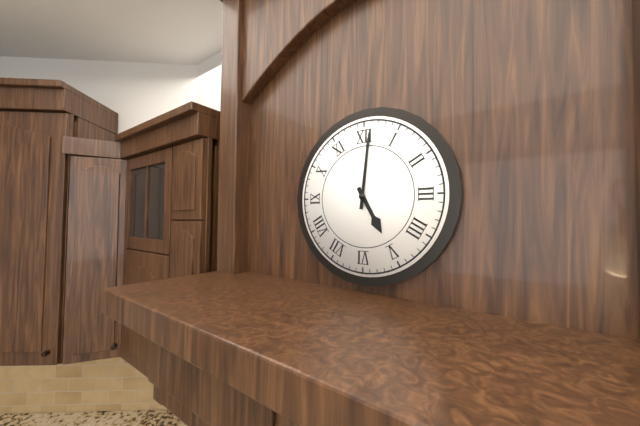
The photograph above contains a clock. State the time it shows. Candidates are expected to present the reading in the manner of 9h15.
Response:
5h01
